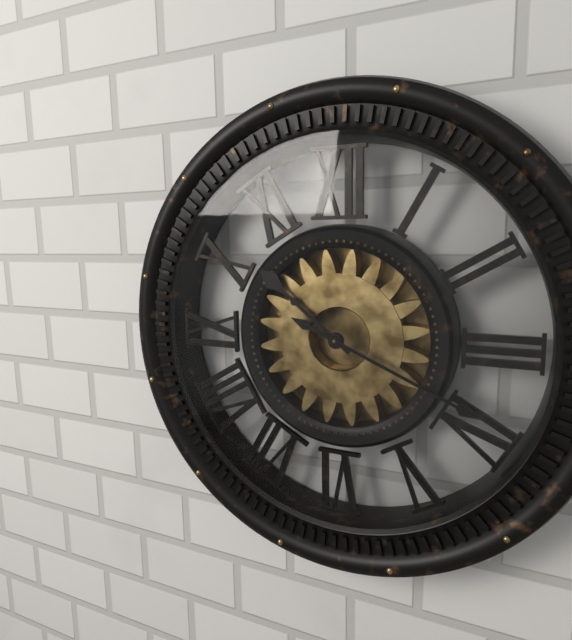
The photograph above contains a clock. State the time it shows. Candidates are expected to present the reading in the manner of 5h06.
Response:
10h19
